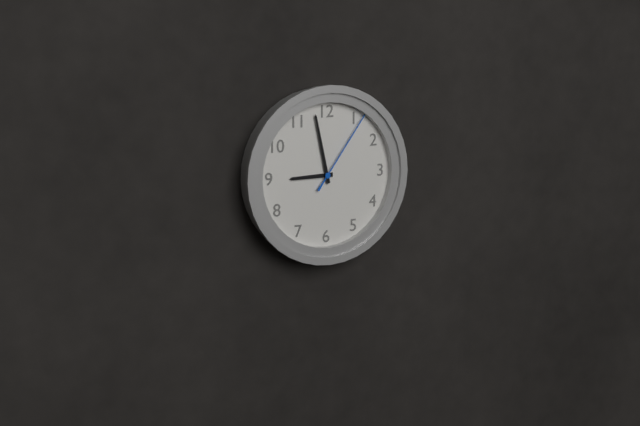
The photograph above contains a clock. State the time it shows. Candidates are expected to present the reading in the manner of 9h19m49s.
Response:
8h58m06s
